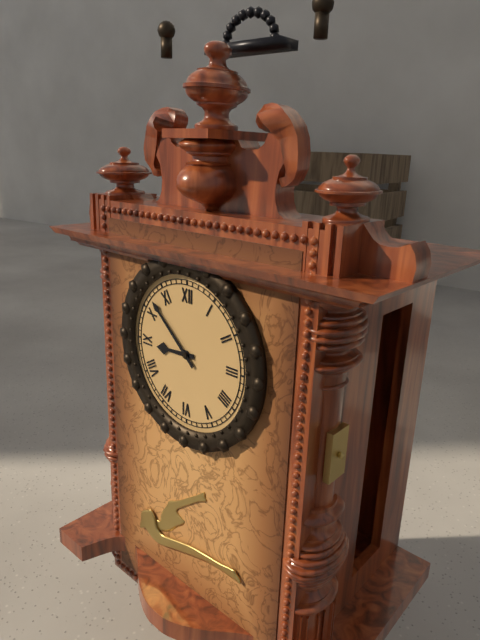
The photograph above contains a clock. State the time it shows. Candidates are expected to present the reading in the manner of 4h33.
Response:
8h52
